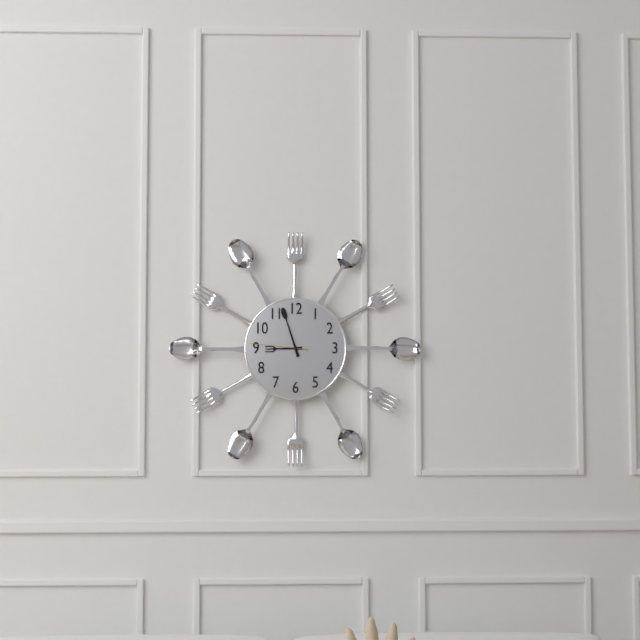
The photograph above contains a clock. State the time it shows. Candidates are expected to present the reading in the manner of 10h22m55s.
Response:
8h57m46s
